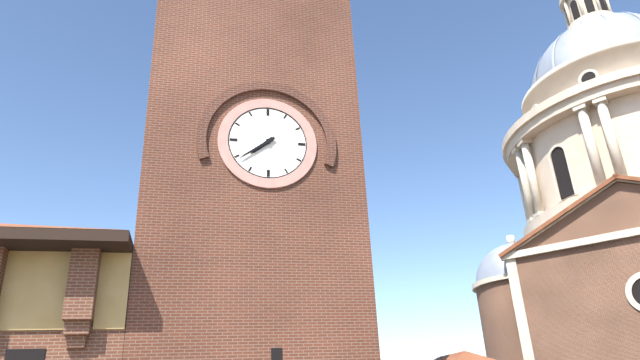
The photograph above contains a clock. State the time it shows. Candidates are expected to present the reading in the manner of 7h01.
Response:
7h39
